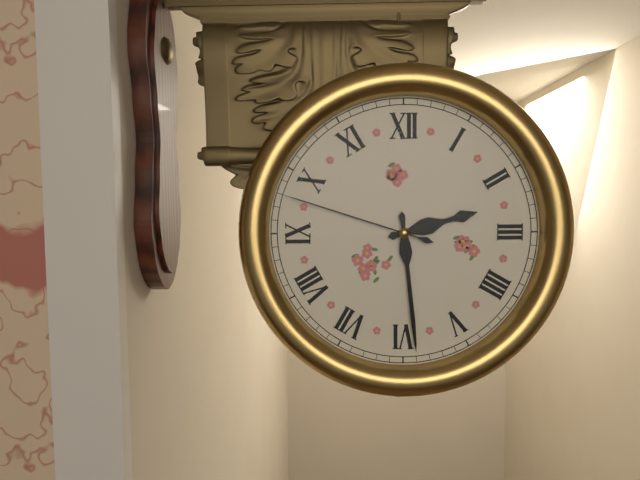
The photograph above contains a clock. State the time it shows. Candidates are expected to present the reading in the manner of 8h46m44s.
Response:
2h29m48s
